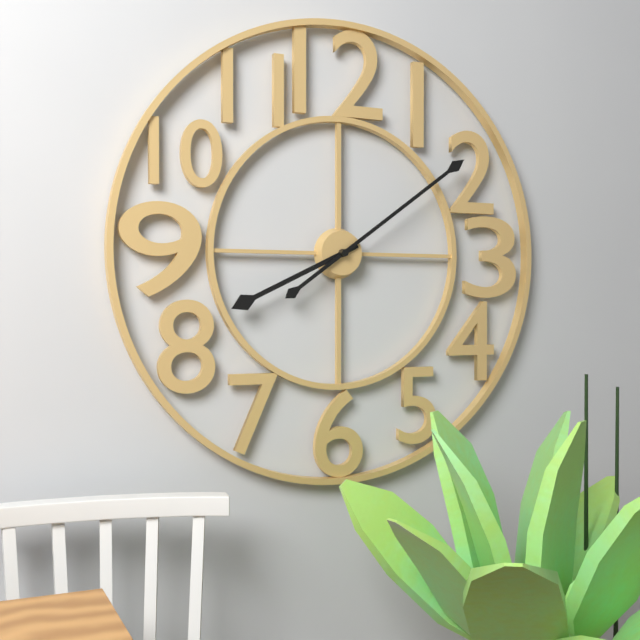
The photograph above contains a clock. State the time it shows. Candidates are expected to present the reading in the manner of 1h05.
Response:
8h09
